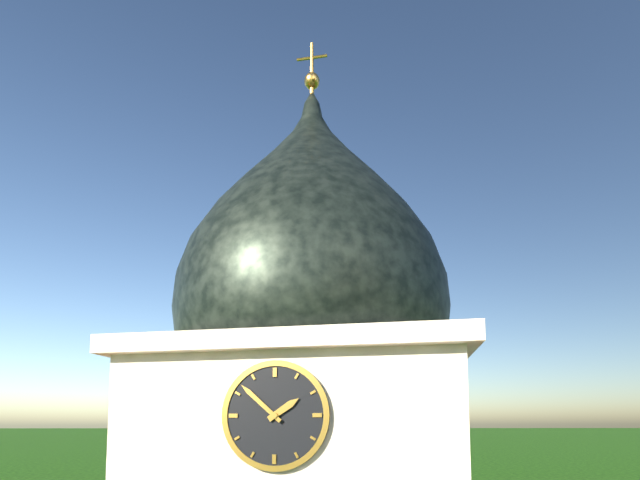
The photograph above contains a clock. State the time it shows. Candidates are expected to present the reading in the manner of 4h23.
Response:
1h52
